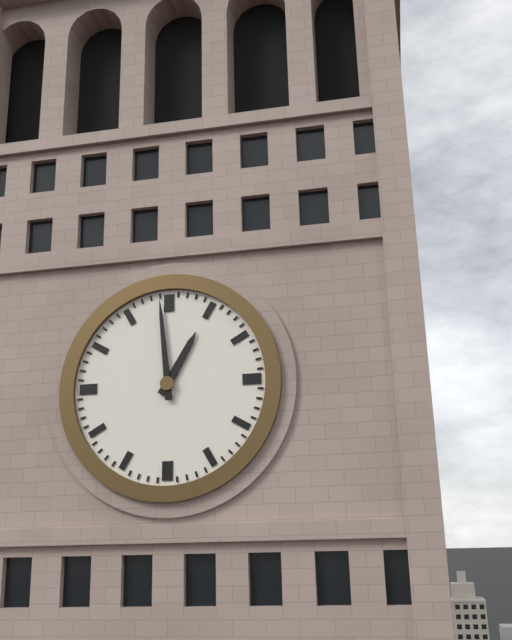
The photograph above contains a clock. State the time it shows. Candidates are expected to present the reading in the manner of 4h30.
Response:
12h59
